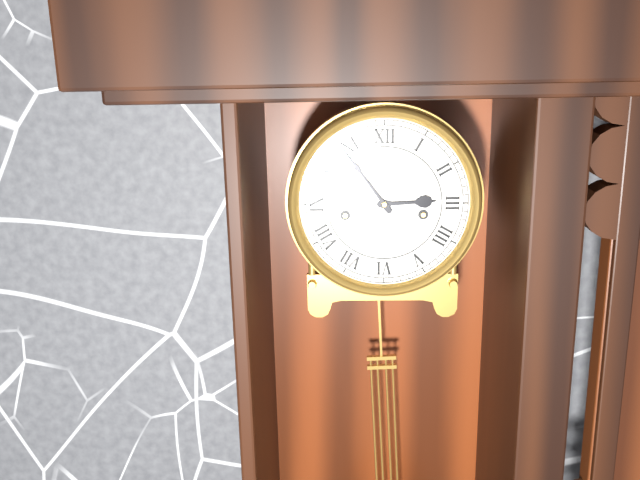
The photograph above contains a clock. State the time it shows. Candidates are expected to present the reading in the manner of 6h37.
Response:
2h54
